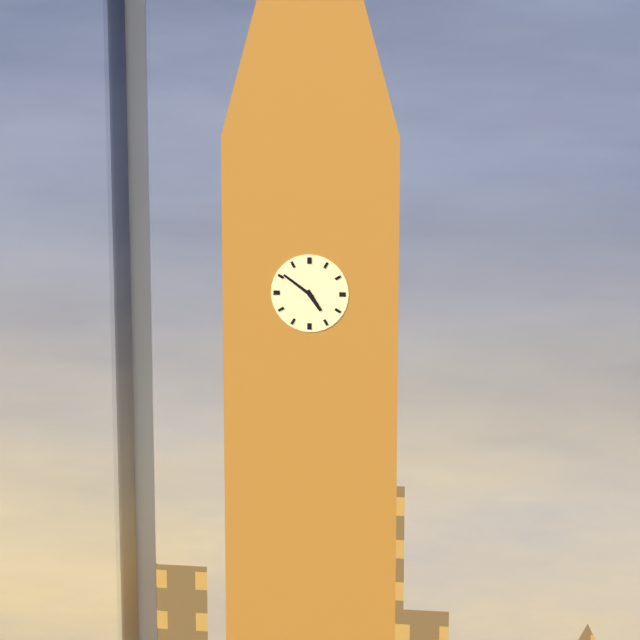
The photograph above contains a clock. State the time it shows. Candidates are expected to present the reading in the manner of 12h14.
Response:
4h51
